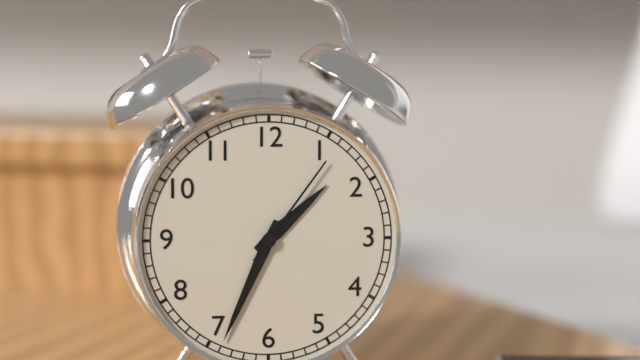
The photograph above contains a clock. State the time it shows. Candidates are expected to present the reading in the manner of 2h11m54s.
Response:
1h34m06s
